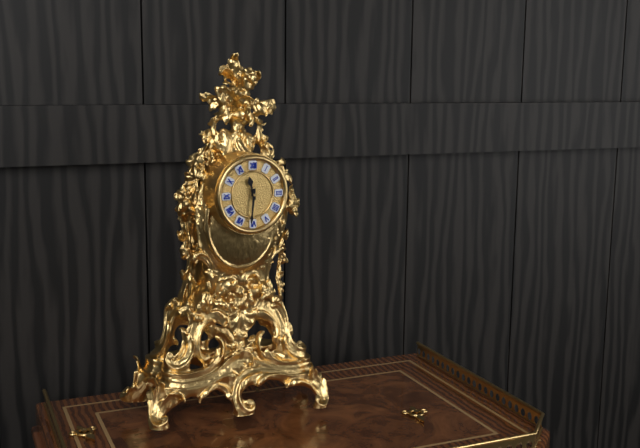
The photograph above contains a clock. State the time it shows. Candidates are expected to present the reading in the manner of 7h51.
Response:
11h31
